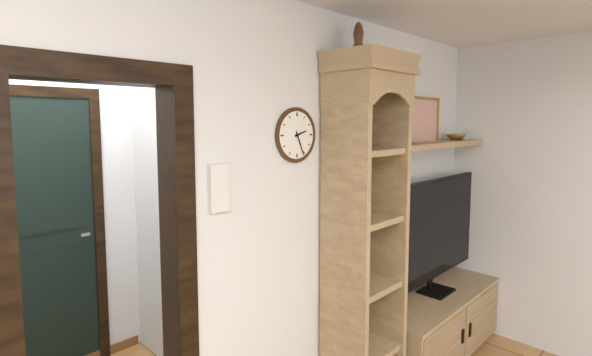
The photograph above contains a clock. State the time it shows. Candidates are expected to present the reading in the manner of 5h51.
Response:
2h26
